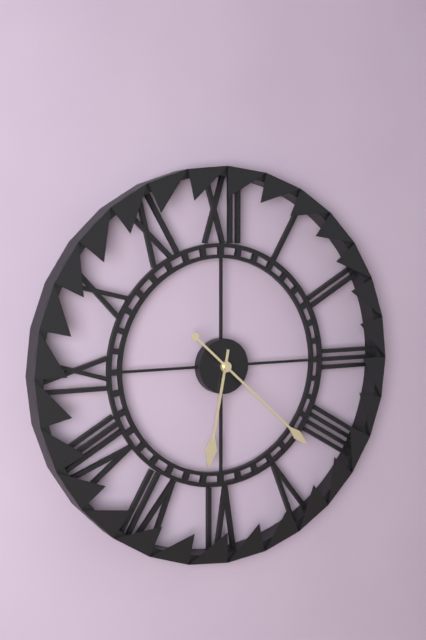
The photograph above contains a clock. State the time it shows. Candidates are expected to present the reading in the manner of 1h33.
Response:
6h22
